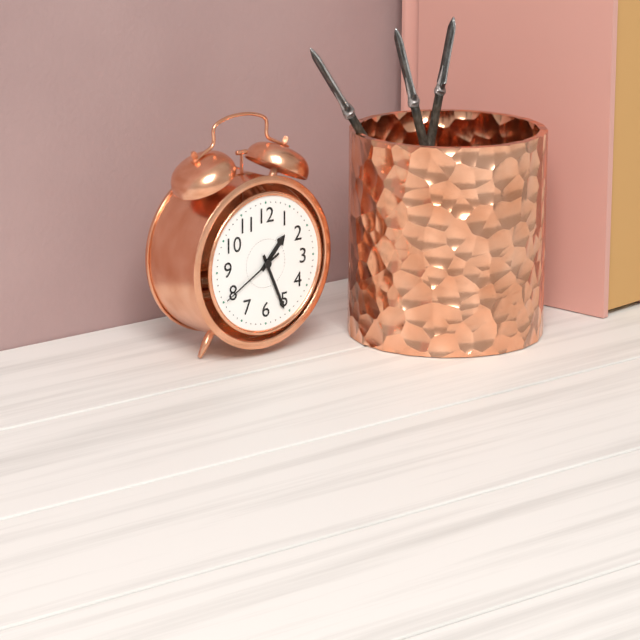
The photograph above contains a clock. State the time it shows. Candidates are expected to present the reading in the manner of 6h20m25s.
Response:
1h26m40s
